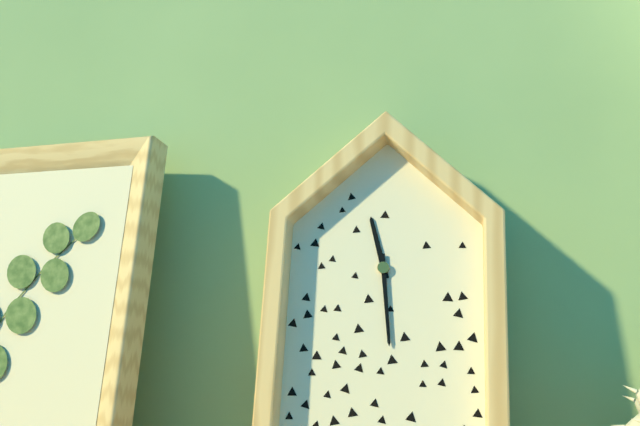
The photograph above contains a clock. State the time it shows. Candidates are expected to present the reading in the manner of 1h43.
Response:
11h29
